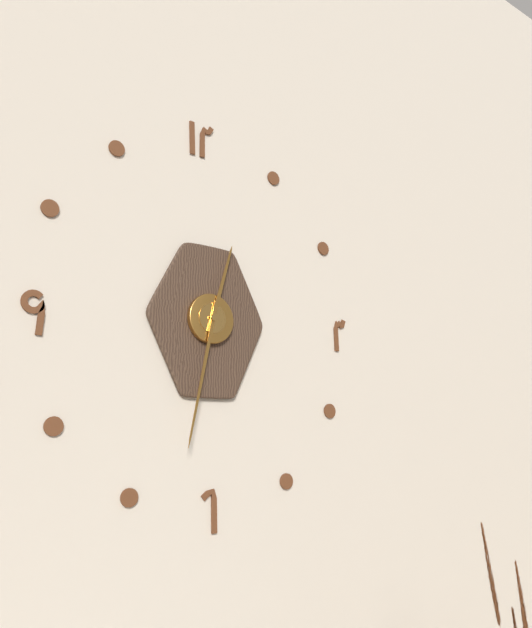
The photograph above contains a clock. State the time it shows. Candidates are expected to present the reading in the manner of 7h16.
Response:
12h32
